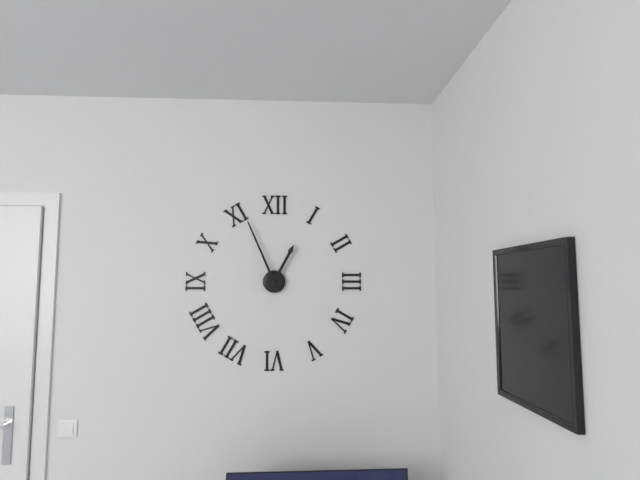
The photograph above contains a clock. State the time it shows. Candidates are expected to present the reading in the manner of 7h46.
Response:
12h56
